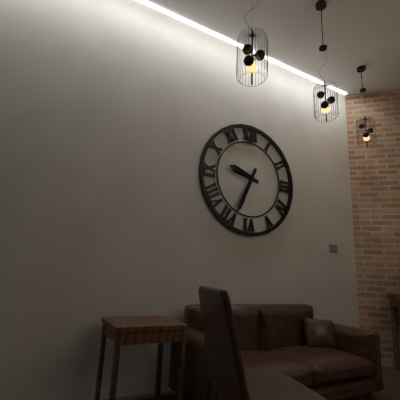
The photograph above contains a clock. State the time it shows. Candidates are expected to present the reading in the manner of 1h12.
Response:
9h34
